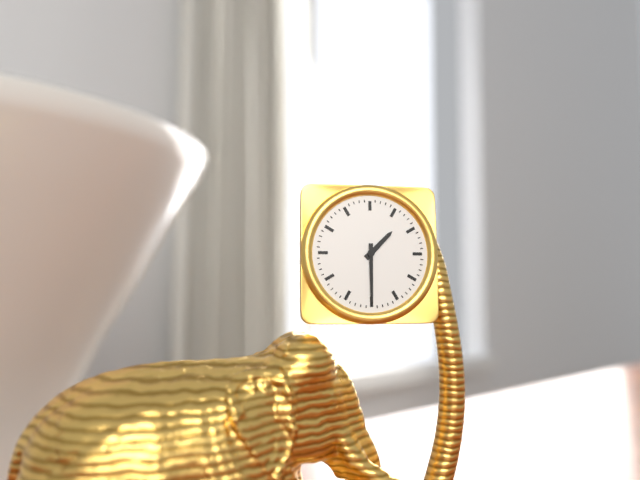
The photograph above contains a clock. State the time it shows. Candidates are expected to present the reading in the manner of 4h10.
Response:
1h30
